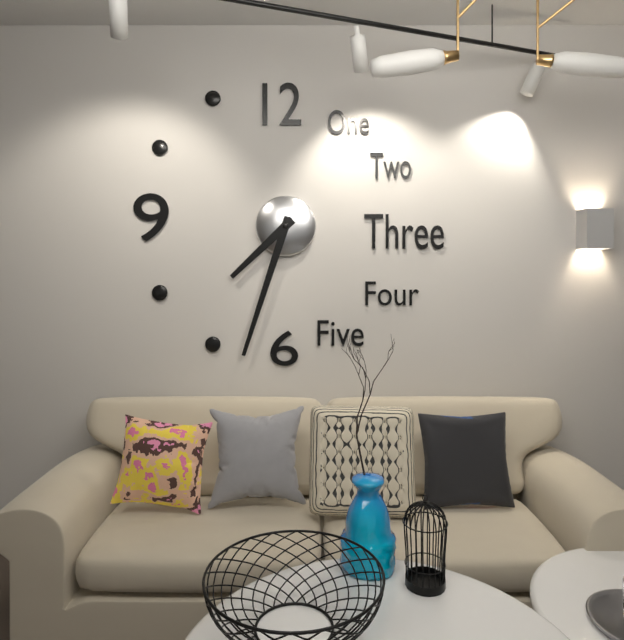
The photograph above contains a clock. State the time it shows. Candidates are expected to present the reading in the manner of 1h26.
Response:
7h33
